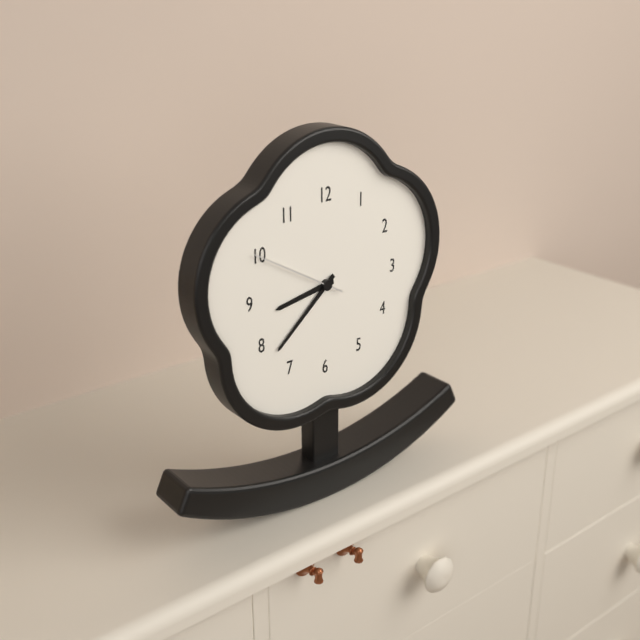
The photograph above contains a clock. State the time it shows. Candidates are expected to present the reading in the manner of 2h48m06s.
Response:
8h38m50s
